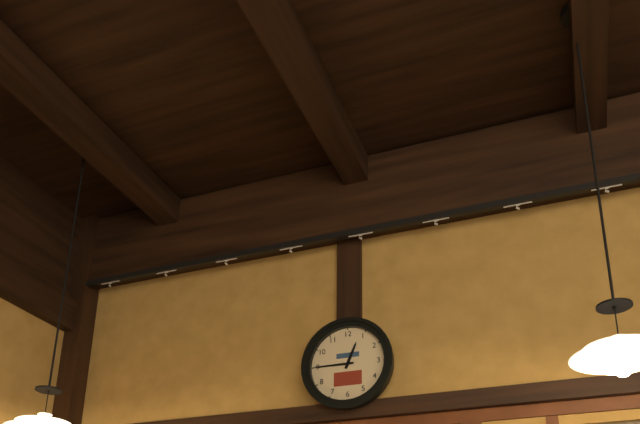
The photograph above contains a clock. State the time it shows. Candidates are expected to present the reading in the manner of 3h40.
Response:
12h45
